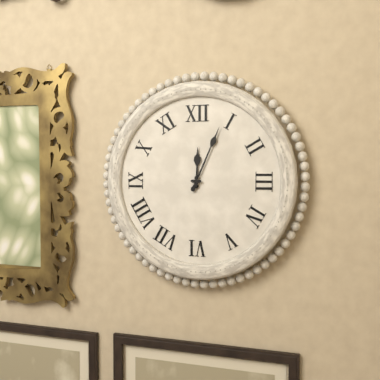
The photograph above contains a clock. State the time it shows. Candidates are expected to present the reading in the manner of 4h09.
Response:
12h04
